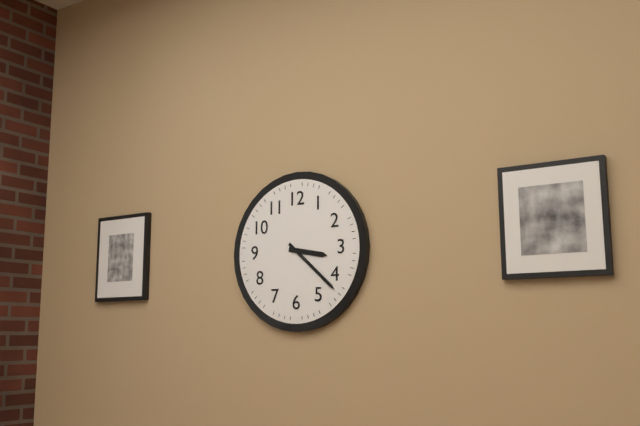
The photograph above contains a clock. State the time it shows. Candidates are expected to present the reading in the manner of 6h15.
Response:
3h22
